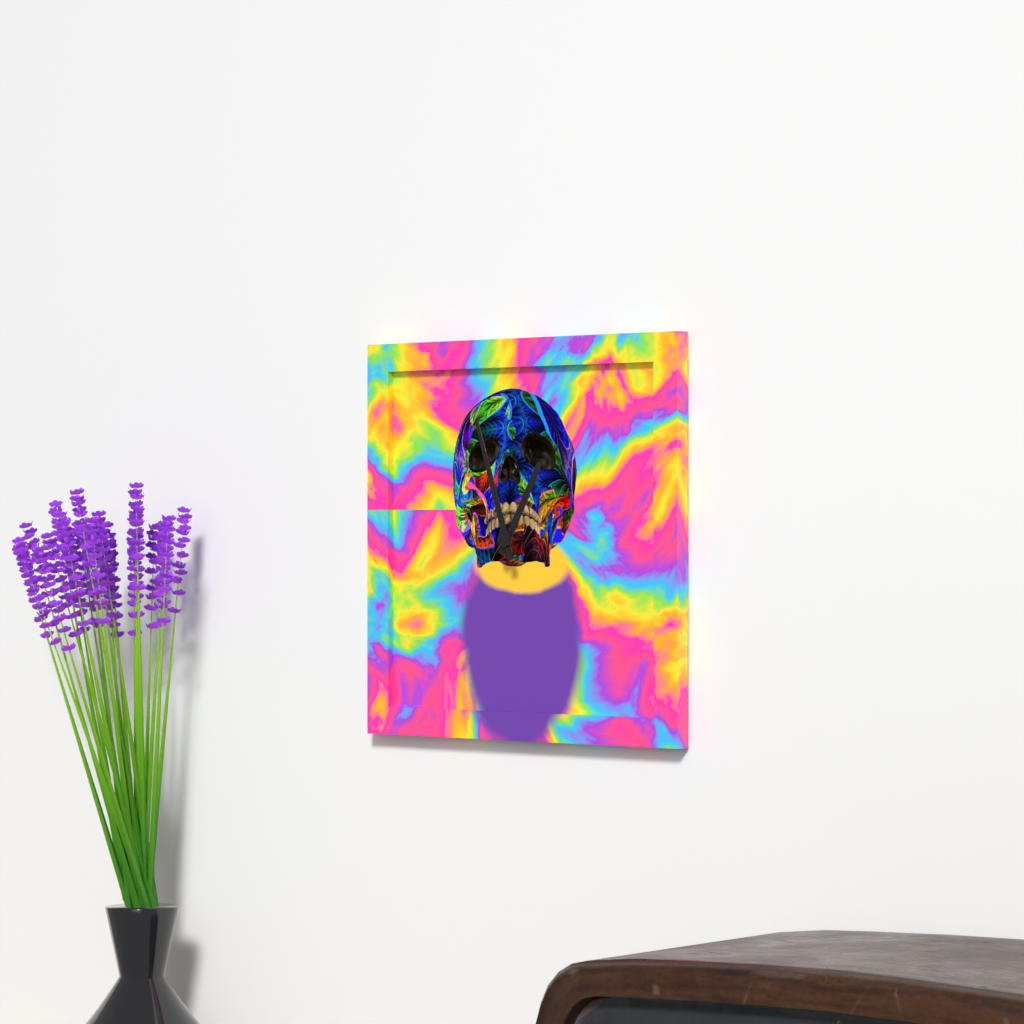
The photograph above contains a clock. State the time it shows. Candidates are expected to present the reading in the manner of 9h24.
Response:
12h57
